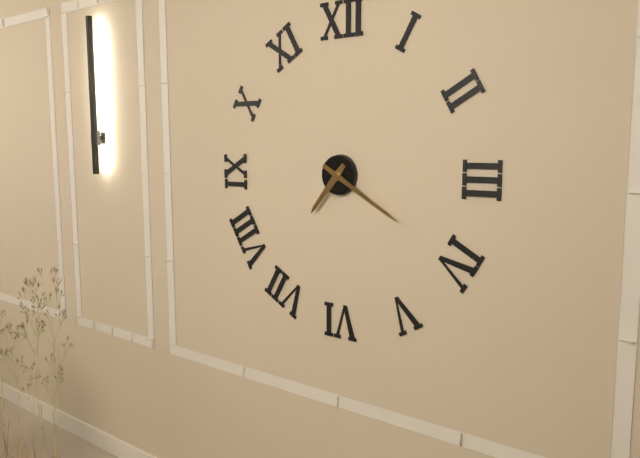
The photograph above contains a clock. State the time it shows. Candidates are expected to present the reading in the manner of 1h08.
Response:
7h20
